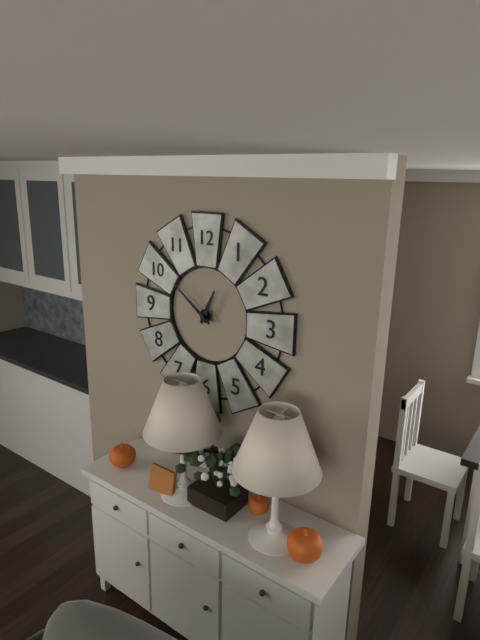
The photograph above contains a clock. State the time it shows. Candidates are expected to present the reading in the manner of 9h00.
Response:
12h51
